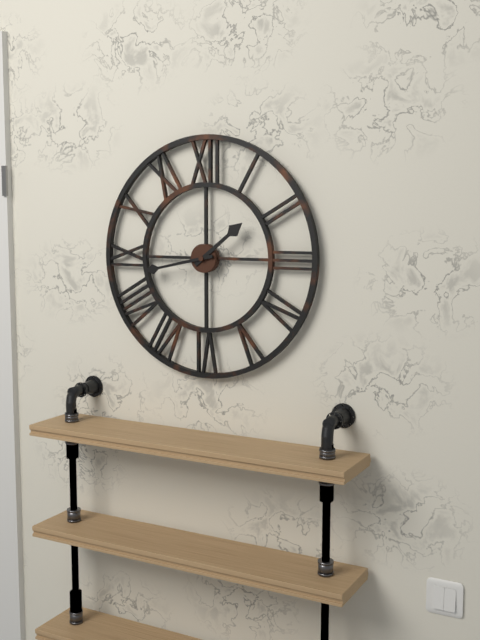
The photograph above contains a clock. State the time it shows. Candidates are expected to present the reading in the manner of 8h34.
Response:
1h43
